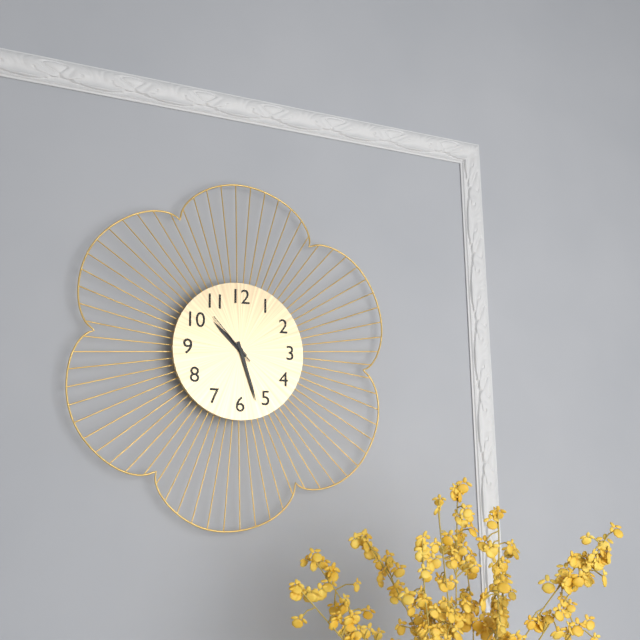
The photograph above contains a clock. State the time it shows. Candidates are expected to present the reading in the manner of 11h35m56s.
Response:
10h27m53s
